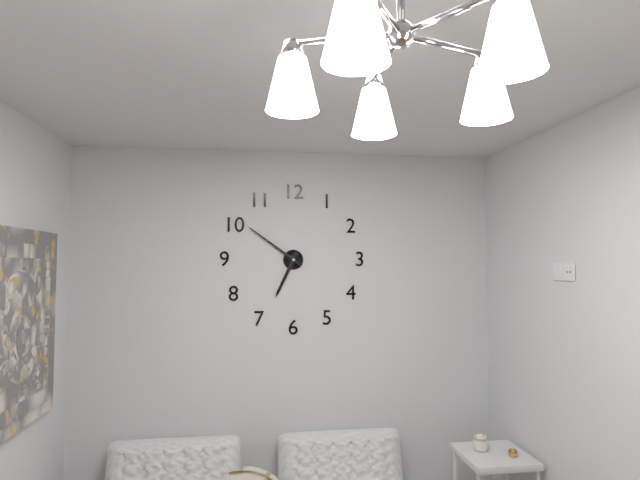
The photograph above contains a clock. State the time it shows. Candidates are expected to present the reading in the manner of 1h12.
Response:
6h51
